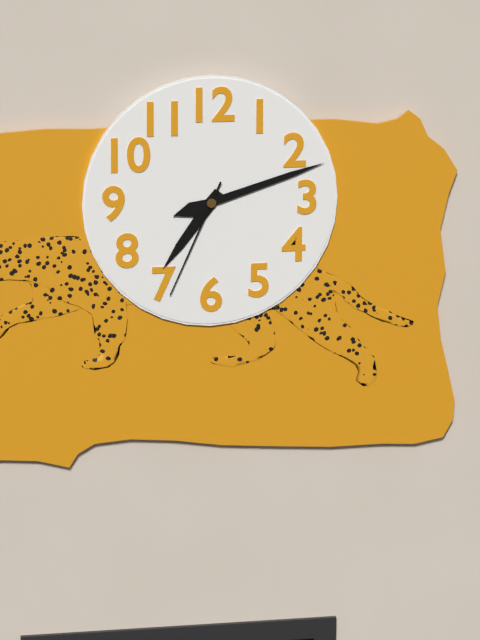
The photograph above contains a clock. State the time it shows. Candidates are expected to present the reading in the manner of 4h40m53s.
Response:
7h12m34s
